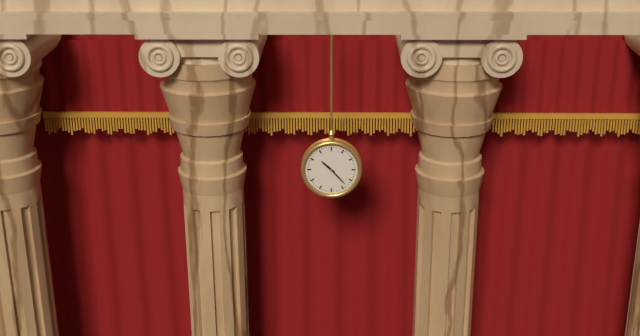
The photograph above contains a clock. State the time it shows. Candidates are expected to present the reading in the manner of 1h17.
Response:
10h23
